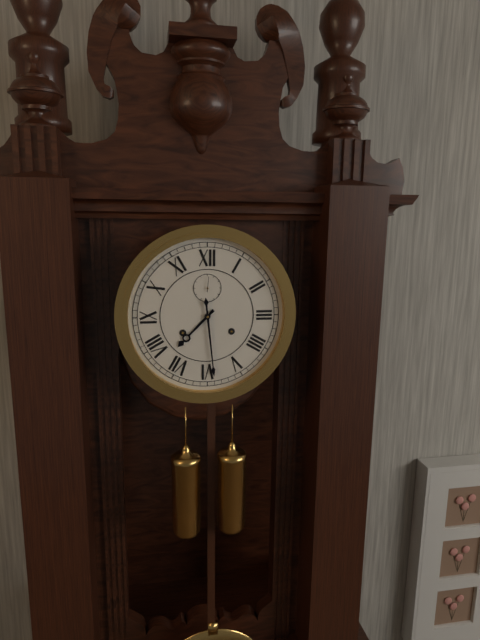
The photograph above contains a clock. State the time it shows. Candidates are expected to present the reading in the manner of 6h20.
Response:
7h29
